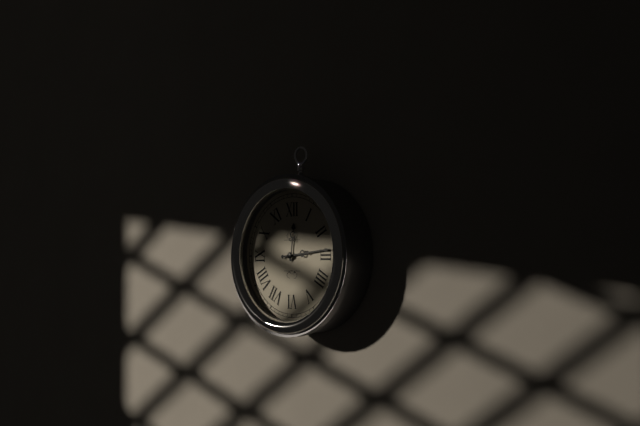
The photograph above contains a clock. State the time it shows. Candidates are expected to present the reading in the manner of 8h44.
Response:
12h14
